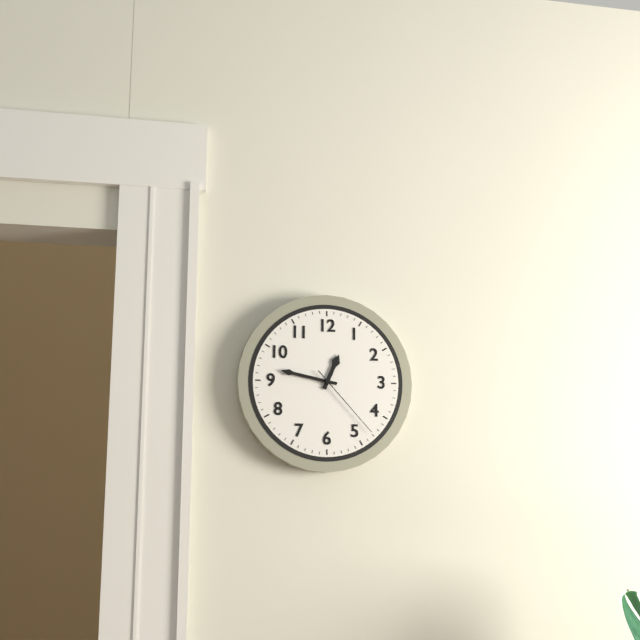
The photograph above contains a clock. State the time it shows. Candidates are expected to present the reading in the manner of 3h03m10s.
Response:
12h47m23s
